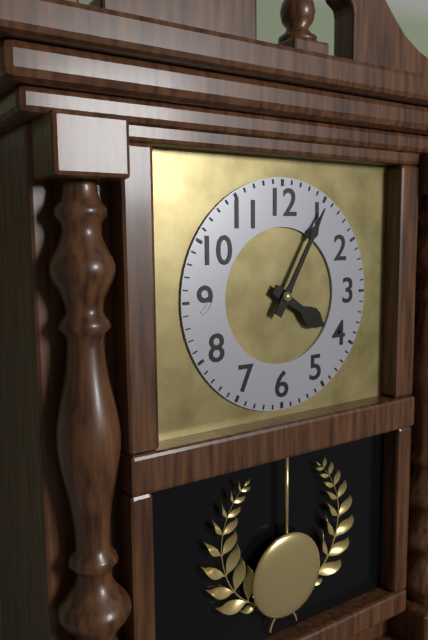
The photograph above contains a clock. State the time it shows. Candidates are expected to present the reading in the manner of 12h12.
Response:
4h05
